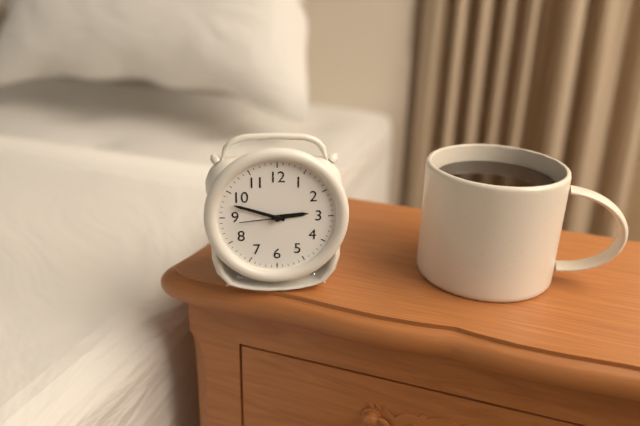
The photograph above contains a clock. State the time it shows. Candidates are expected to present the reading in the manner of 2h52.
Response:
2h48
